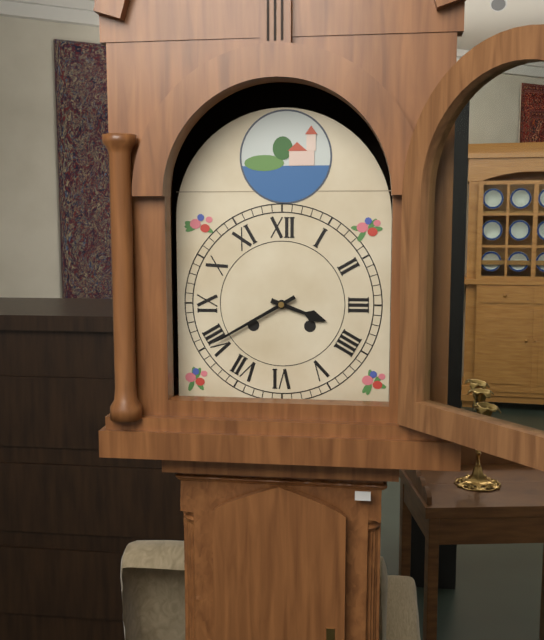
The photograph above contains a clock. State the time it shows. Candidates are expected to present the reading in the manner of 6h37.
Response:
3h40
